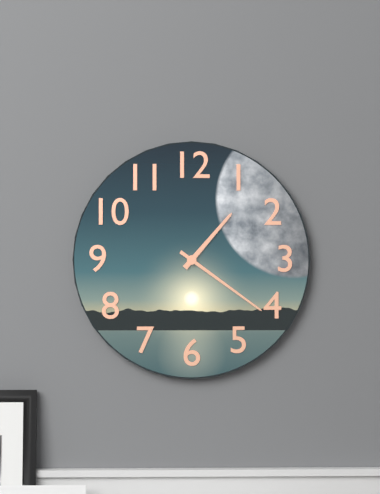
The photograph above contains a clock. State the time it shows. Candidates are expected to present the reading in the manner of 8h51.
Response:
1h21
